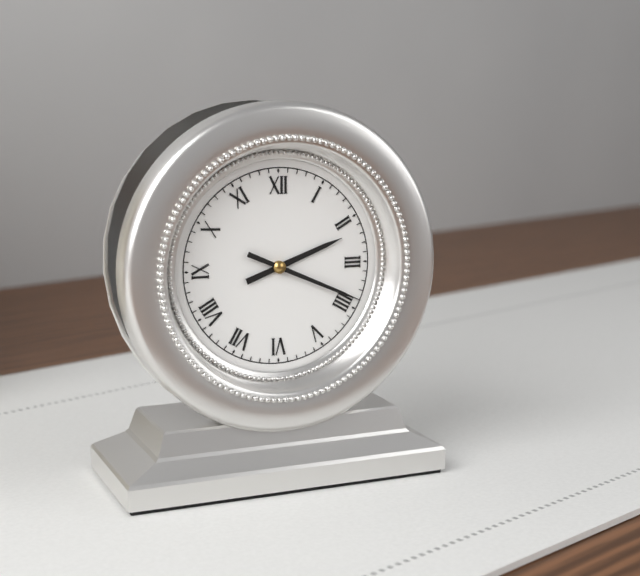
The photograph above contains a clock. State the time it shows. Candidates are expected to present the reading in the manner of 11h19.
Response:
2h19
